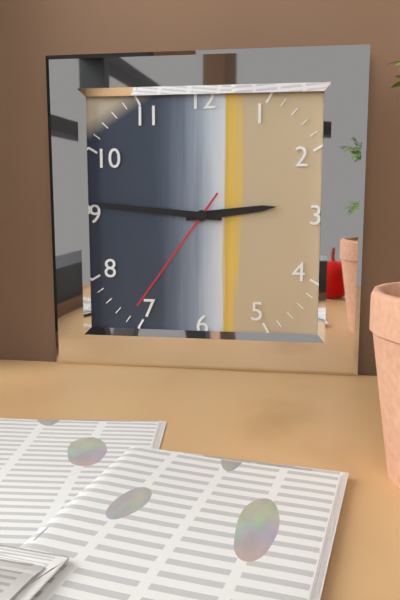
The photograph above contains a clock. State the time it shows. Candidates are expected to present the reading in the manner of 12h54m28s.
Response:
2h46m36s
